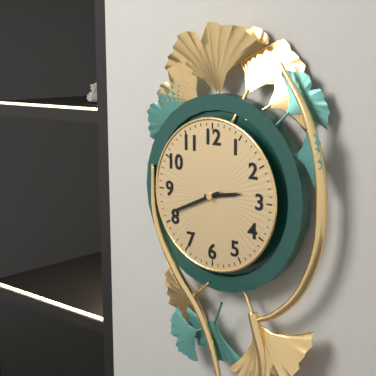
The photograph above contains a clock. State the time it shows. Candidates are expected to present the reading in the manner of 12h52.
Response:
2h41
